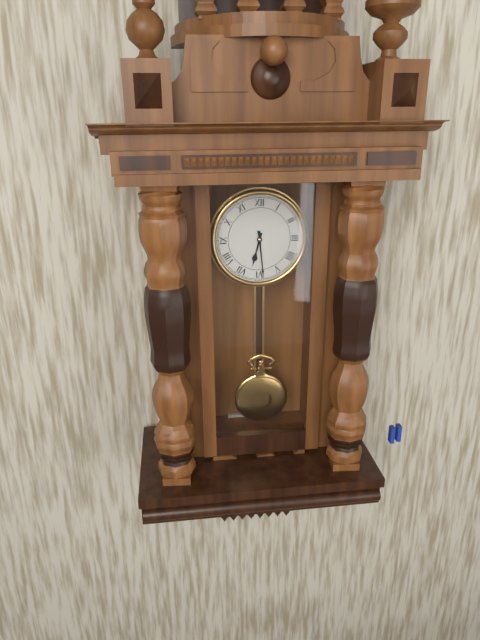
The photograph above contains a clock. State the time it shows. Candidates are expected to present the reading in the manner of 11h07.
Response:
6h29
